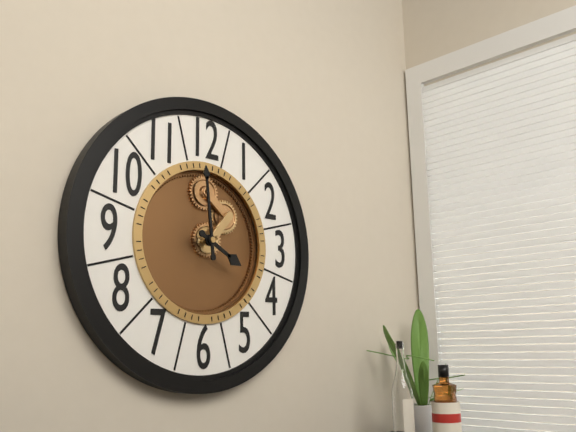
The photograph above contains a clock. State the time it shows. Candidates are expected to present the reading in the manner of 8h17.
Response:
3h59
